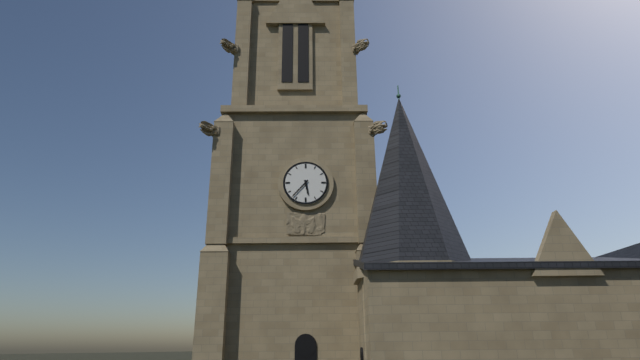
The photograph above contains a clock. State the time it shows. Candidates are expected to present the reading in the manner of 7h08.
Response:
5h37
